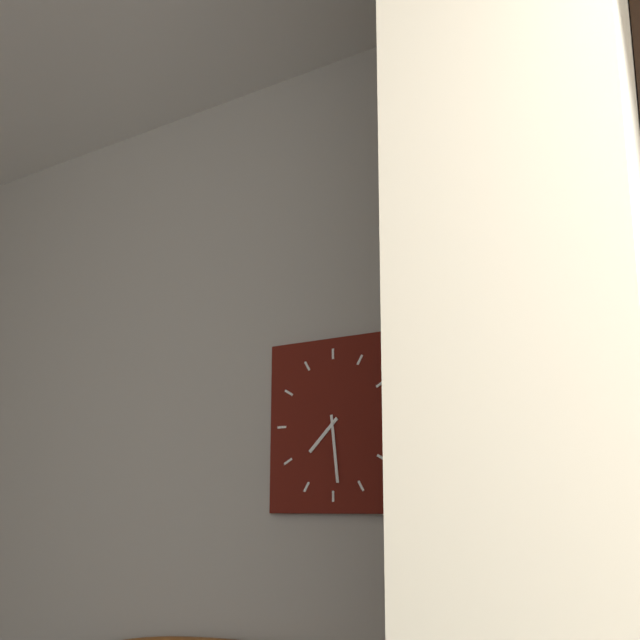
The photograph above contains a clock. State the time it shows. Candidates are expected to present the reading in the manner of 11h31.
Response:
7h29
